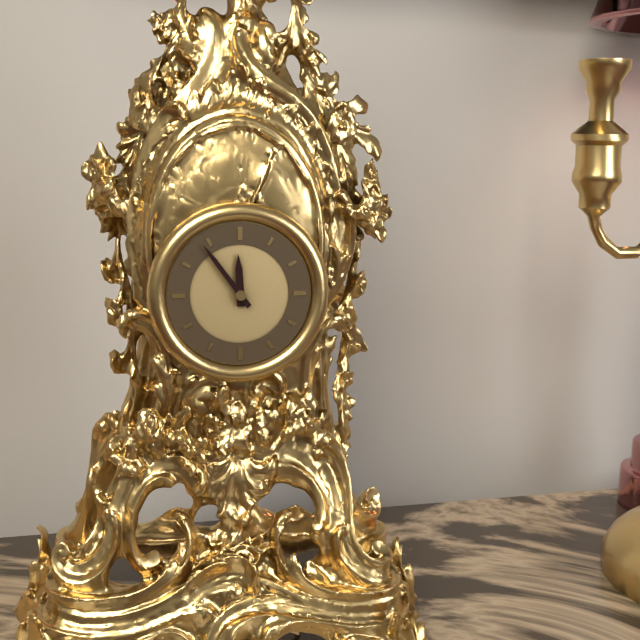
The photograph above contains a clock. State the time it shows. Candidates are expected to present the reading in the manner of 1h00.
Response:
11h54
